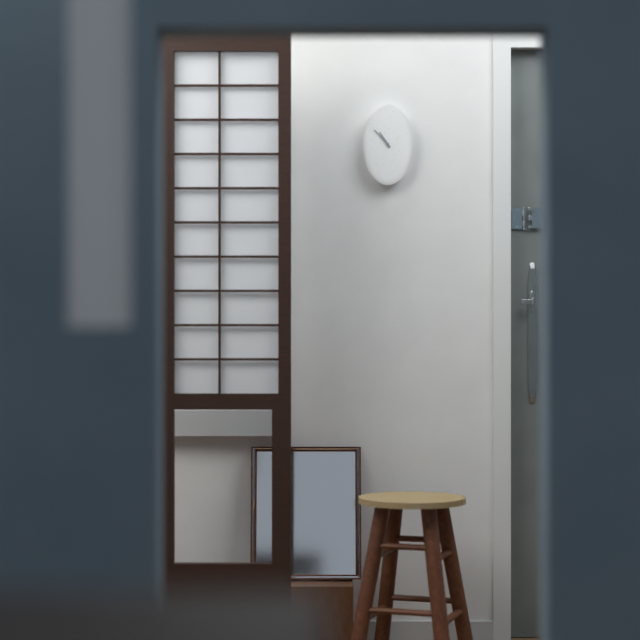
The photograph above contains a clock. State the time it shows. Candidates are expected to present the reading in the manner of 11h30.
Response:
10h53
